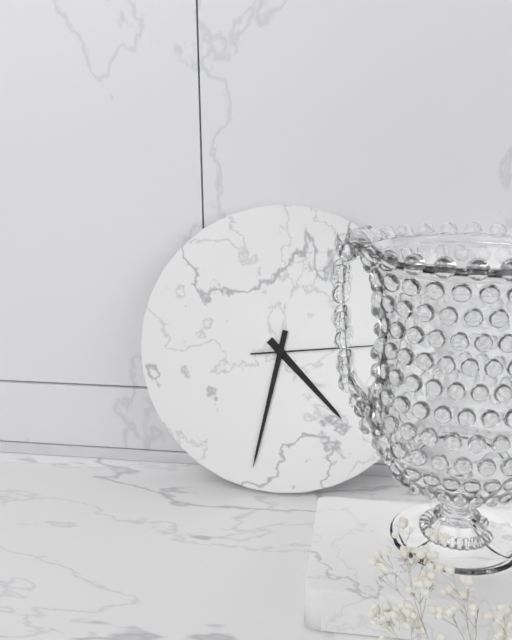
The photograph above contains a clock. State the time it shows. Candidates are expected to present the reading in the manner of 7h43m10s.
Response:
4h32m14s
